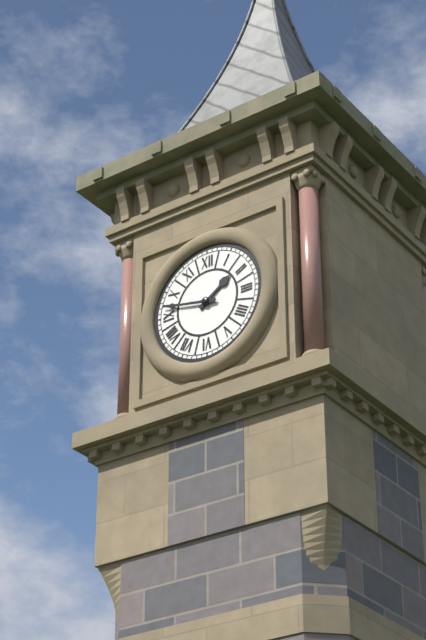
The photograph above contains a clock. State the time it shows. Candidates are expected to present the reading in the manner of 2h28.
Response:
1h47
